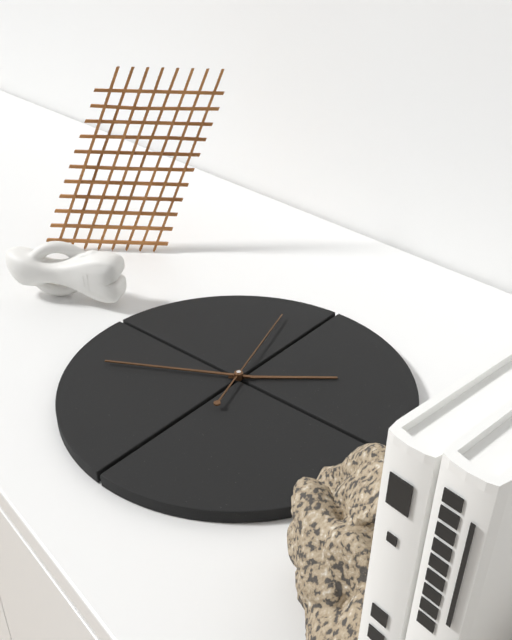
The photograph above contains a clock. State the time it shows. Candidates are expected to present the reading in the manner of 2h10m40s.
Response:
1h40m57s
